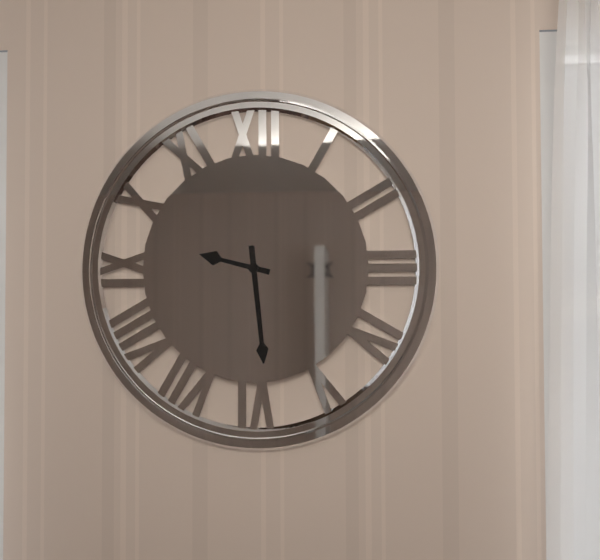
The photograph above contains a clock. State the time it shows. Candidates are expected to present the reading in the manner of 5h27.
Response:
9h29
